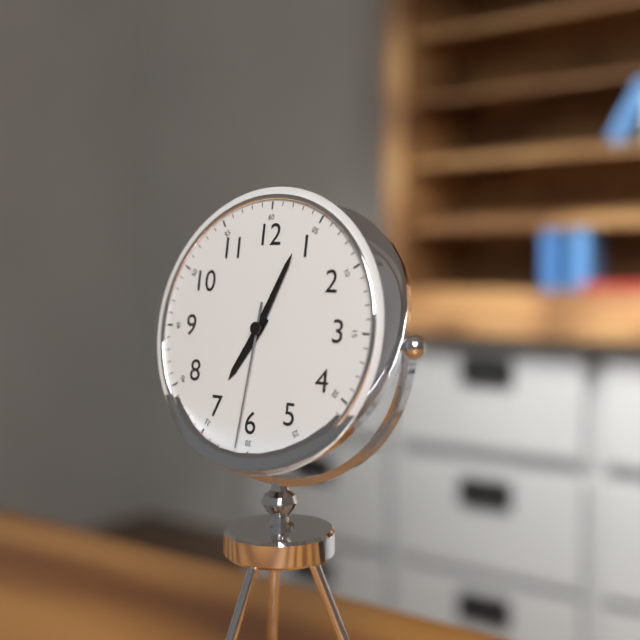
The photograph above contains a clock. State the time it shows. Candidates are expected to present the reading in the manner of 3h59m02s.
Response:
7h04m31s
